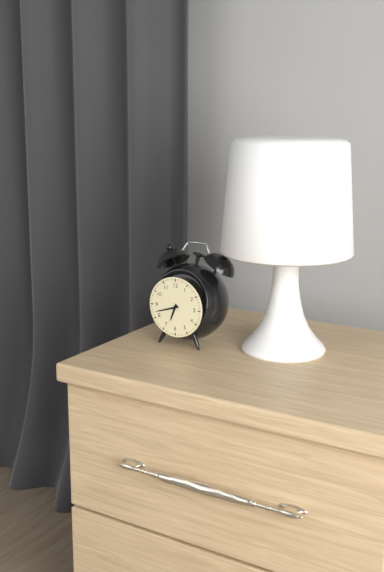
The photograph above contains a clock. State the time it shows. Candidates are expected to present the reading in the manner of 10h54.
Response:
6h42
